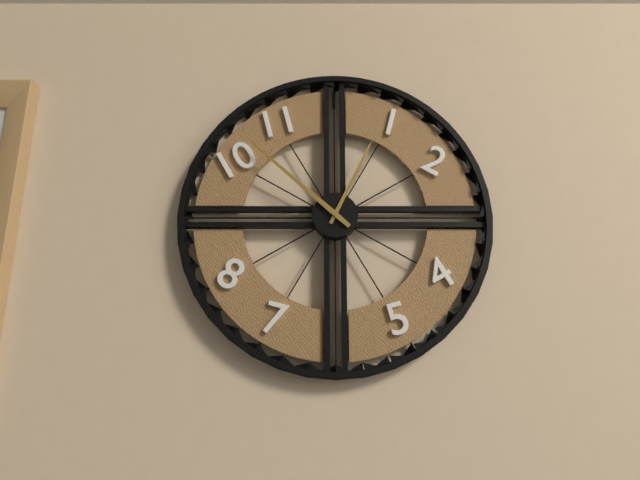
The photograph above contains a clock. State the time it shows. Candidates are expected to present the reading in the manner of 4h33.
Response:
12h52
